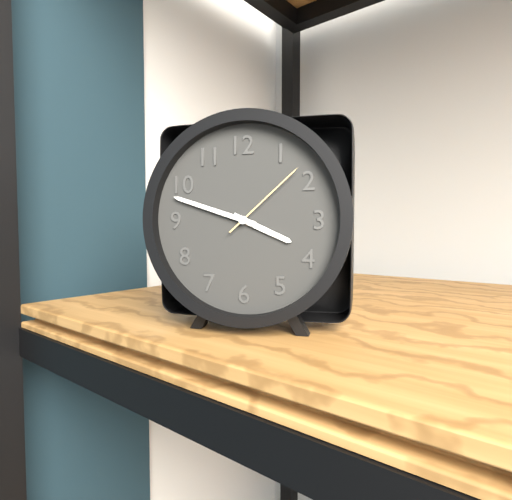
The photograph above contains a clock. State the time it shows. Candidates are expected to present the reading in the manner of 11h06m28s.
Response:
3h48m08s
